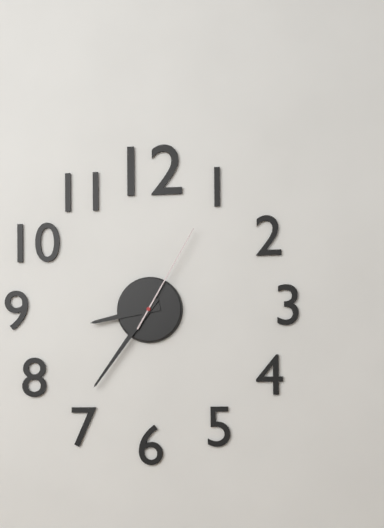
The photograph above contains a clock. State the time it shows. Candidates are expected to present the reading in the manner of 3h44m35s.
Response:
8h36m05s
